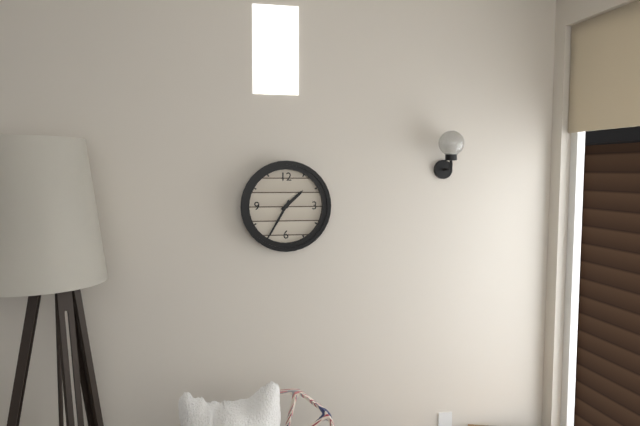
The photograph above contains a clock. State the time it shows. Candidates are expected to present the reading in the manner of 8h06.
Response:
1h35
